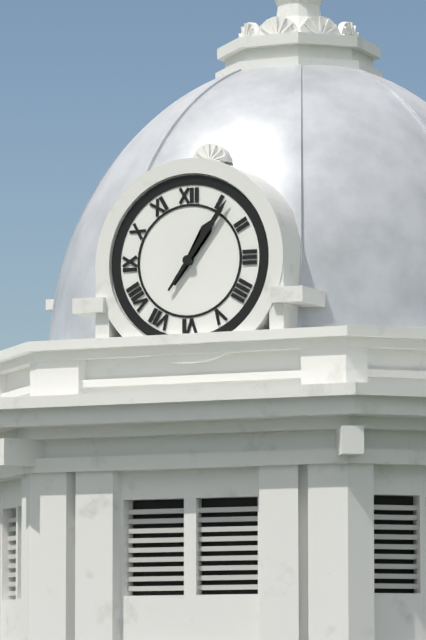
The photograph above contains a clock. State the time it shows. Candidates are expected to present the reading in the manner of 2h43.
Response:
1h06
